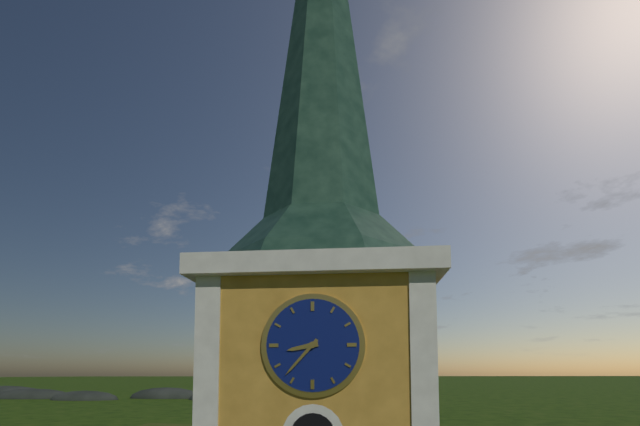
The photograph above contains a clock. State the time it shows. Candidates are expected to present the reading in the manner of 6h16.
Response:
8h37
